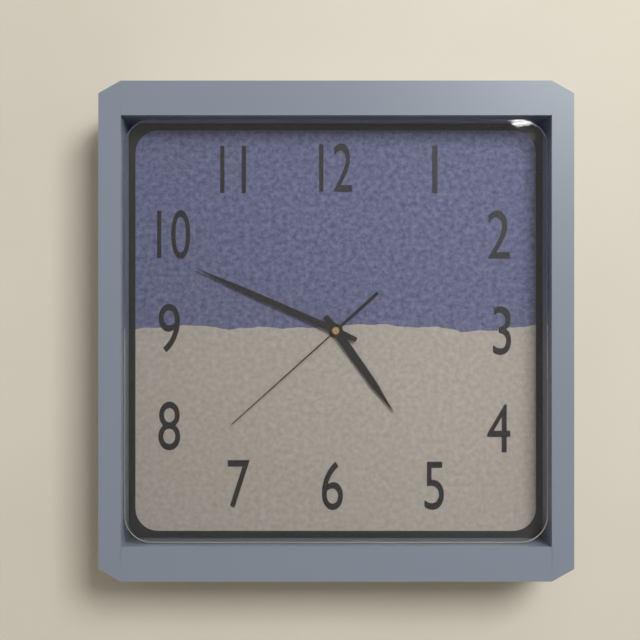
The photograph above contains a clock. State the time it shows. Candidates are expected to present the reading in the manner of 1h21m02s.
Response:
4h49m38s
